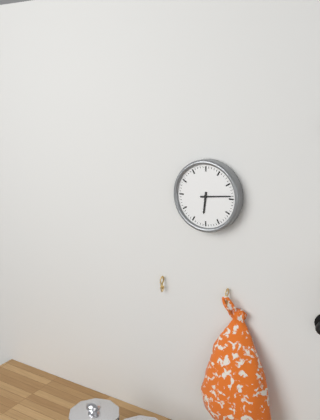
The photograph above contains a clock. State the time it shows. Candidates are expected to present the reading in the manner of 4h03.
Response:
6h14
